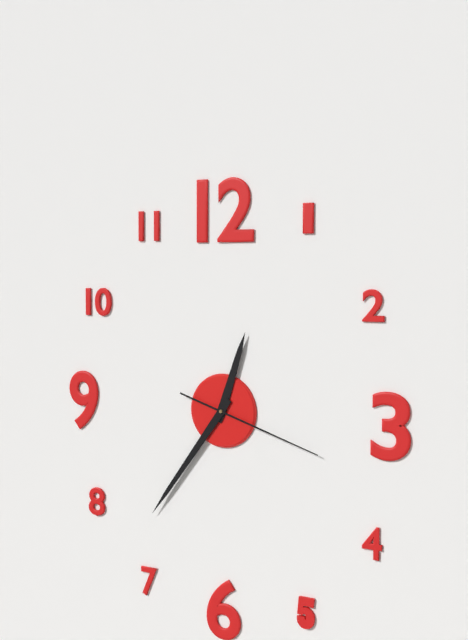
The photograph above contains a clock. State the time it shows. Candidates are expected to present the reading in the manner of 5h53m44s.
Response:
12h36m18s
